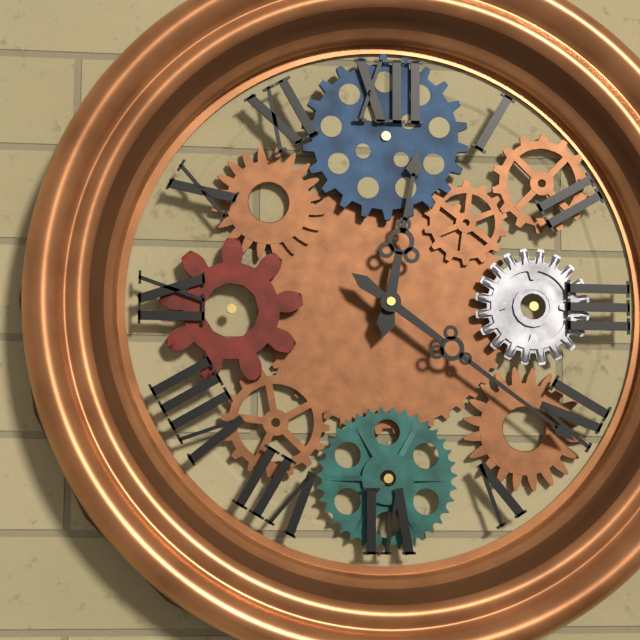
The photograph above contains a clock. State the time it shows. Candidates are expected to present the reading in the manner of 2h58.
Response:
12h21
